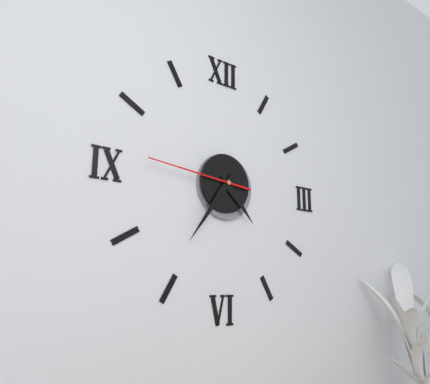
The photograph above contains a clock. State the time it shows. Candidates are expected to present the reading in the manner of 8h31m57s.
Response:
4h36m46s
